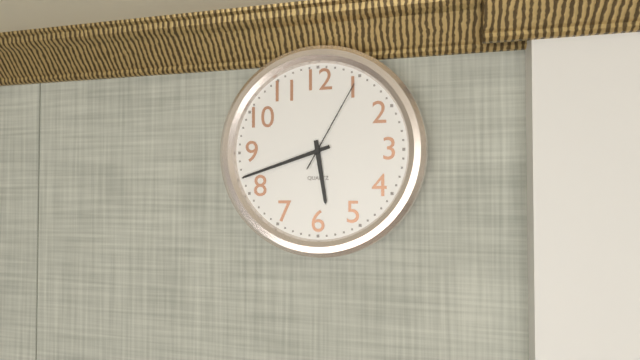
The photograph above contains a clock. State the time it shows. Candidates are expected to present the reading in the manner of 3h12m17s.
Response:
5h42m05s
